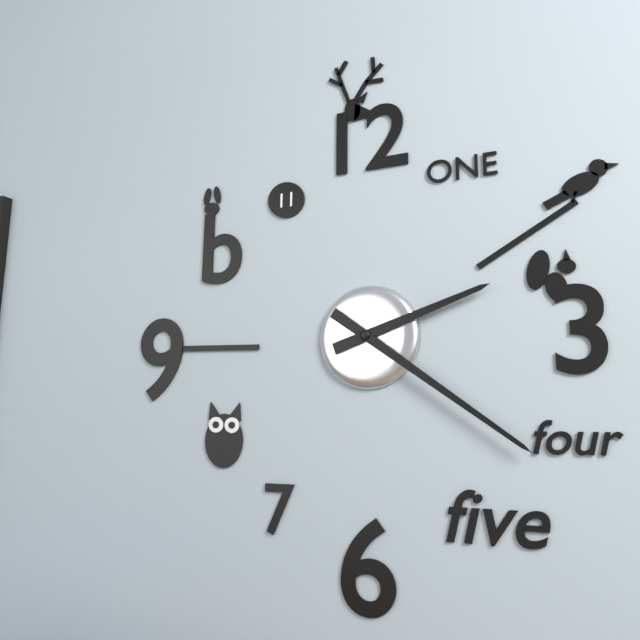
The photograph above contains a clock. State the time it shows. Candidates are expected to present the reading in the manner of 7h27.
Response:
2h21
